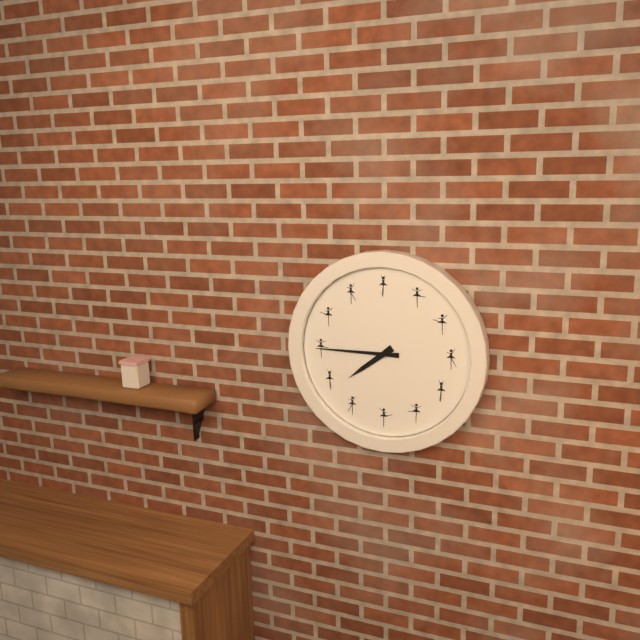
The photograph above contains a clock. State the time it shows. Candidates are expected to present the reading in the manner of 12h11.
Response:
7h45
